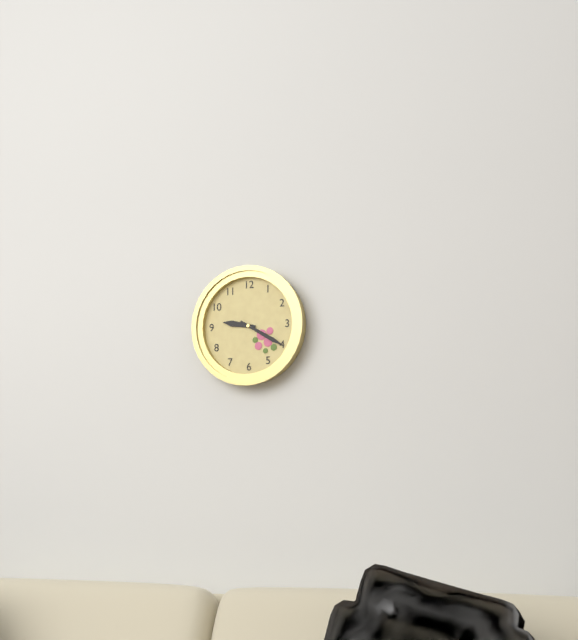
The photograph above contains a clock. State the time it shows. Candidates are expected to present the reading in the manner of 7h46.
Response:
9h20
